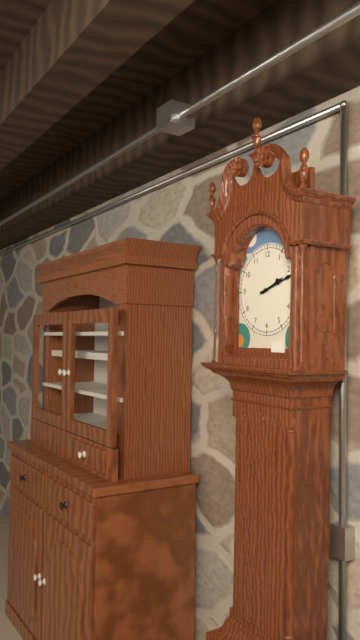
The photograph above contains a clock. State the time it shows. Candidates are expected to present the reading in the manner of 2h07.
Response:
2h12
